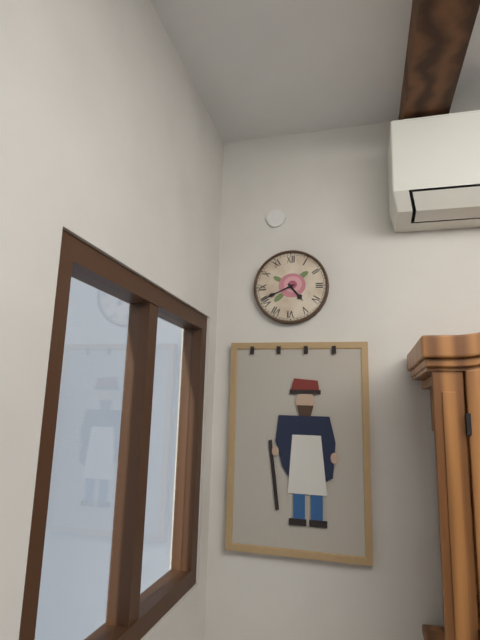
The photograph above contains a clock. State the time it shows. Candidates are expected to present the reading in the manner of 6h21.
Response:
4h41
